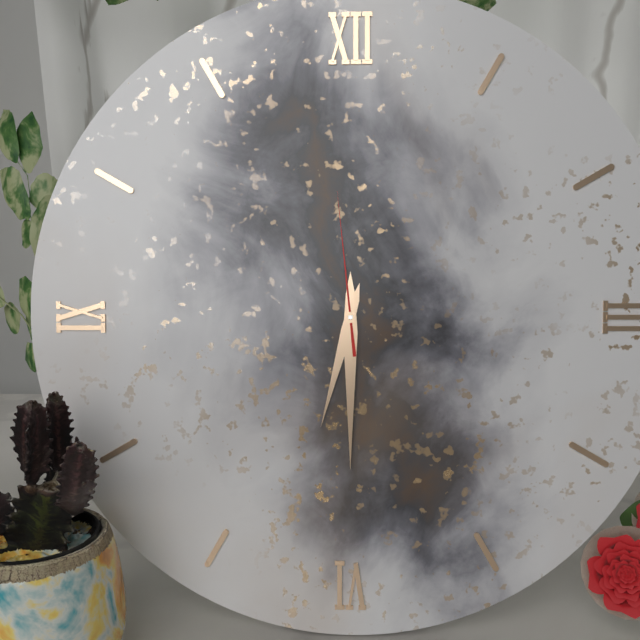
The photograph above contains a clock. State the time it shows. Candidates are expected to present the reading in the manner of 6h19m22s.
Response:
6h30m59s
